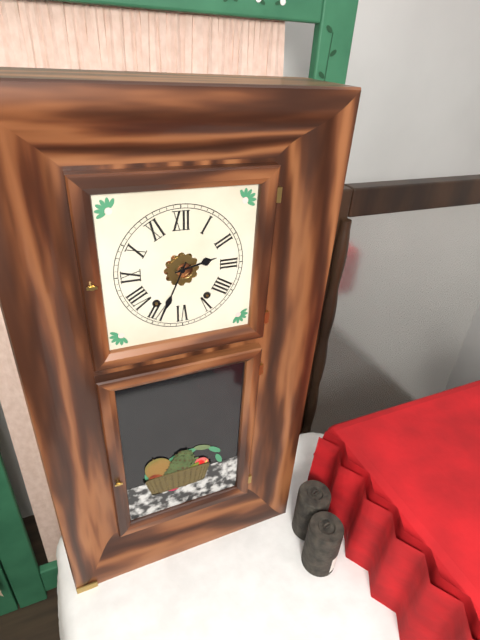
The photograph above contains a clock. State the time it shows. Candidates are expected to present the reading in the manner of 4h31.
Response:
2h34
